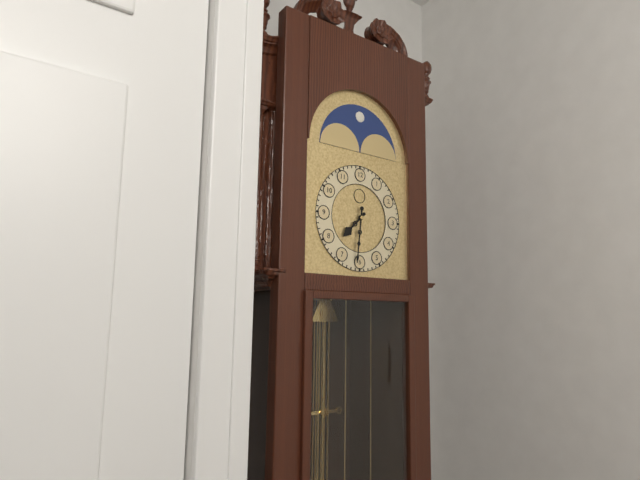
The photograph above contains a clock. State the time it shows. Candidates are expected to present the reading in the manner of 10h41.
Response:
7h31
